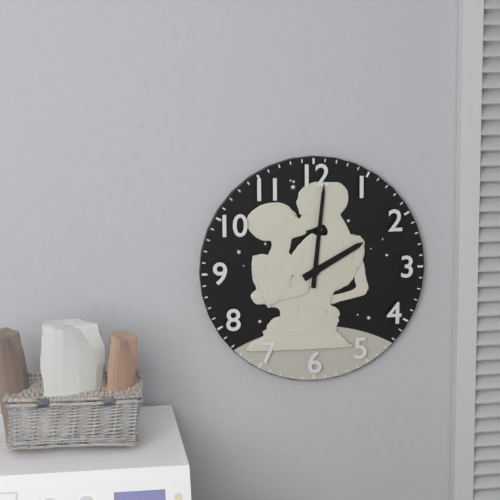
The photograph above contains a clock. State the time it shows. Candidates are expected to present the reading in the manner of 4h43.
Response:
2h01
